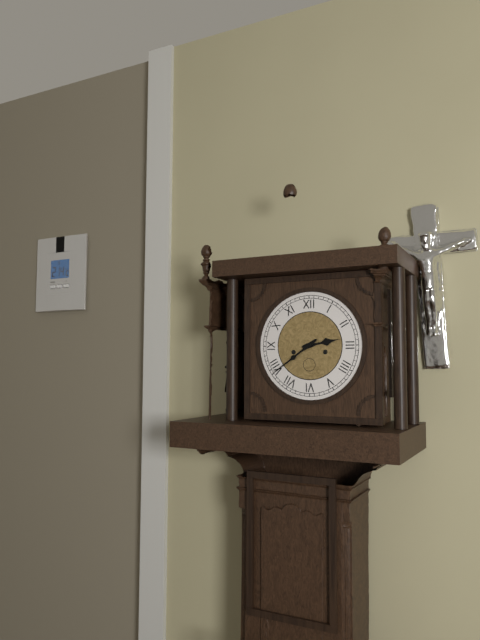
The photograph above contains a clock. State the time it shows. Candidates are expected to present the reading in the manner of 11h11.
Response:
2h39
